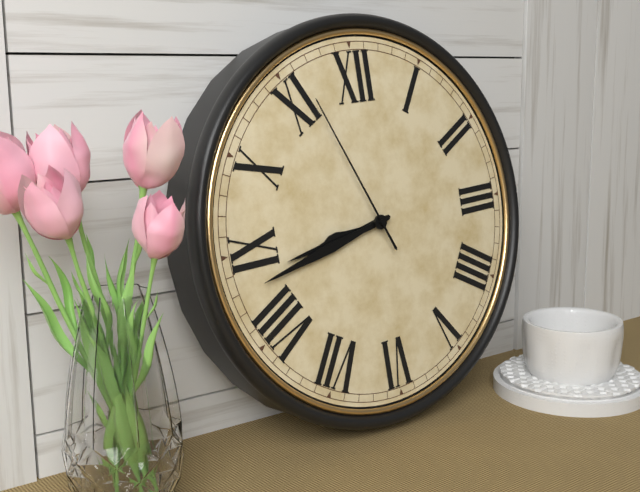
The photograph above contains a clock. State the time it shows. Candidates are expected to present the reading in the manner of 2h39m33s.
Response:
8h43m56s
